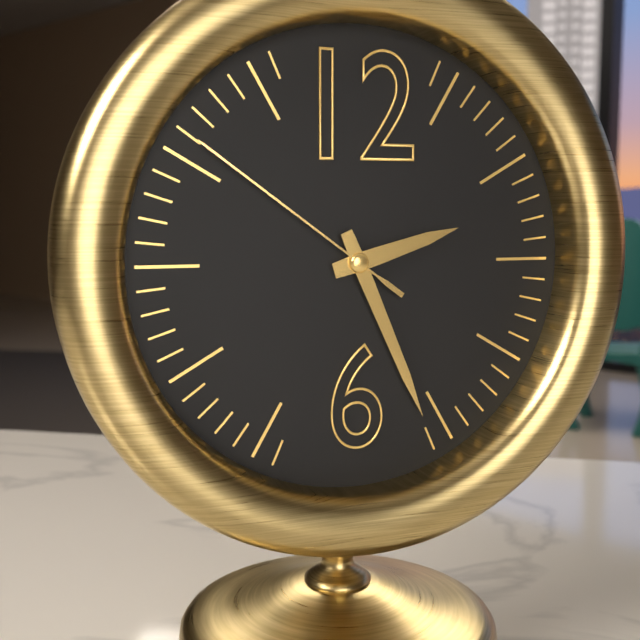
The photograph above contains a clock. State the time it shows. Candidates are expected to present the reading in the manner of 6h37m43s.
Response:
2h26m51s
